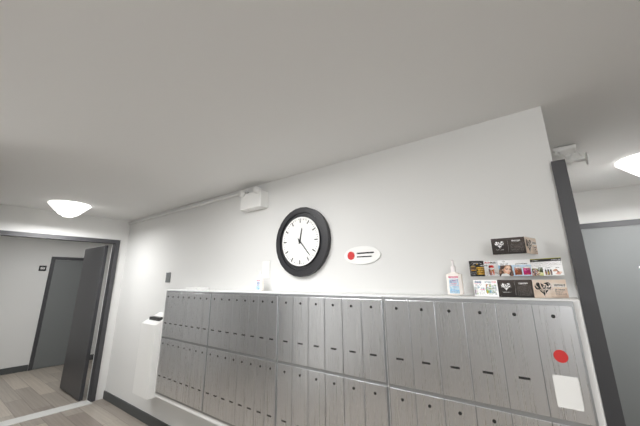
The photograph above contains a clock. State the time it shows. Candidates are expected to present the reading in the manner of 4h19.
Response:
12h23
